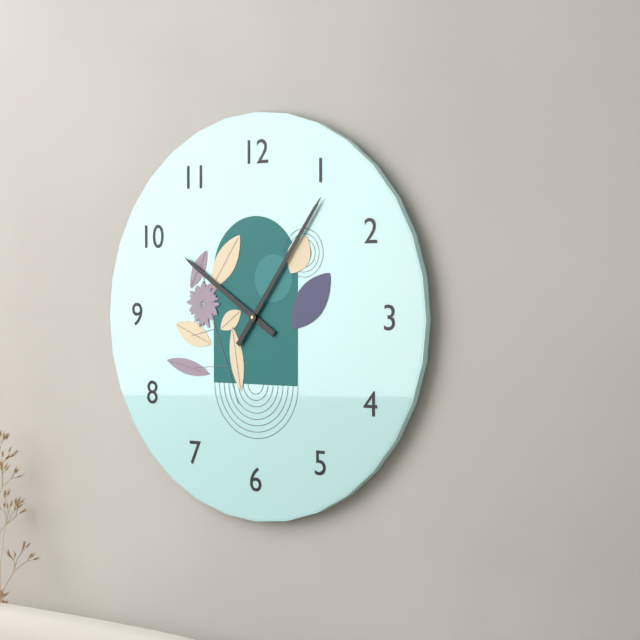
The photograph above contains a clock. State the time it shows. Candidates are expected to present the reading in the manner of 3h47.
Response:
10h06
